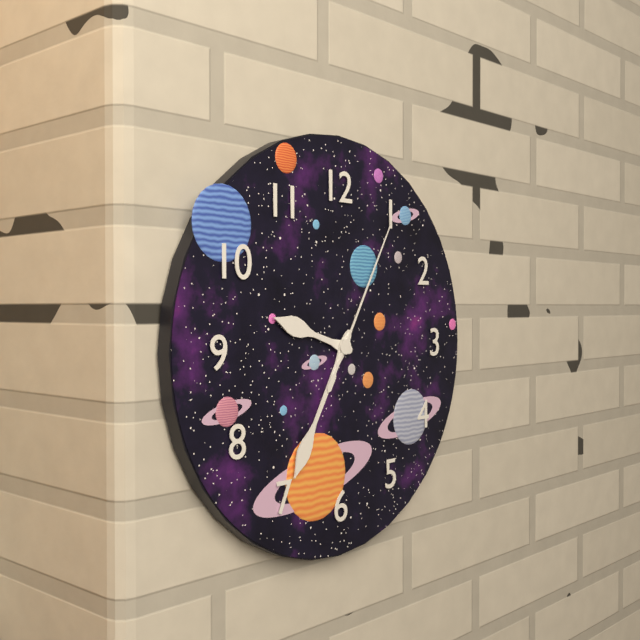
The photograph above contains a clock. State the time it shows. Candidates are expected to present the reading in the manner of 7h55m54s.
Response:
9h35m05s
